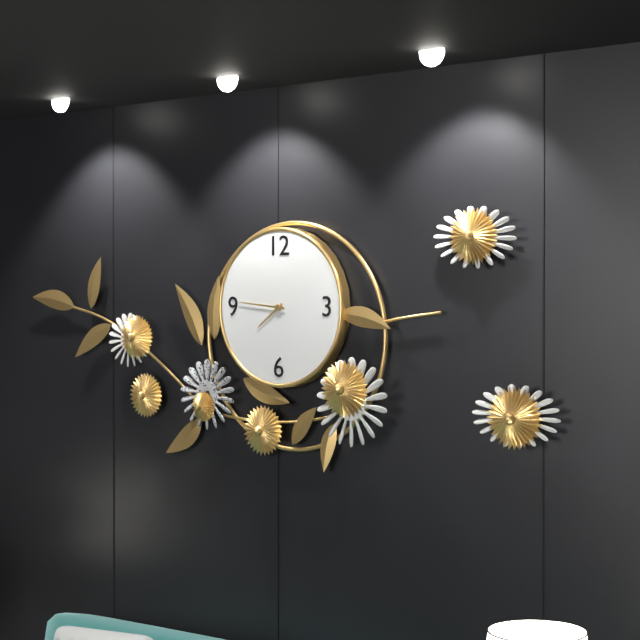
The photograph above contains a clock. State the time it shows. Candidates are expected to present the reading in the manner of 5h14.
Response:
7h46
